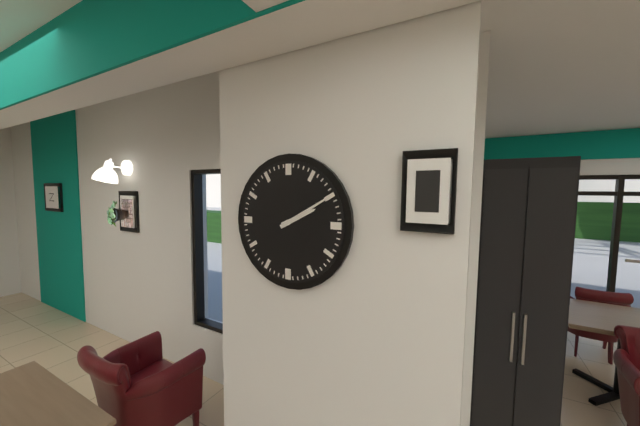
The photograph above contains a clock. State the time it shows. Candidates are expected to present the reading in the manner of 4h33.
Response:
2h10
